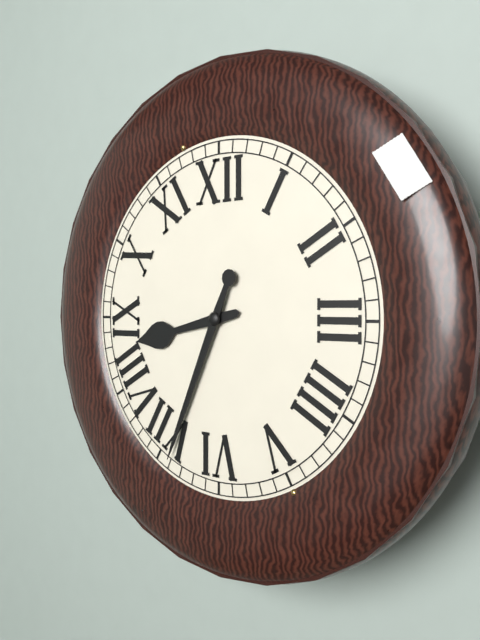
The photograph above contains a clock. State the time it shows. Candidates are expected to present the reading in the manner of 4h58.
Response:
8h34
